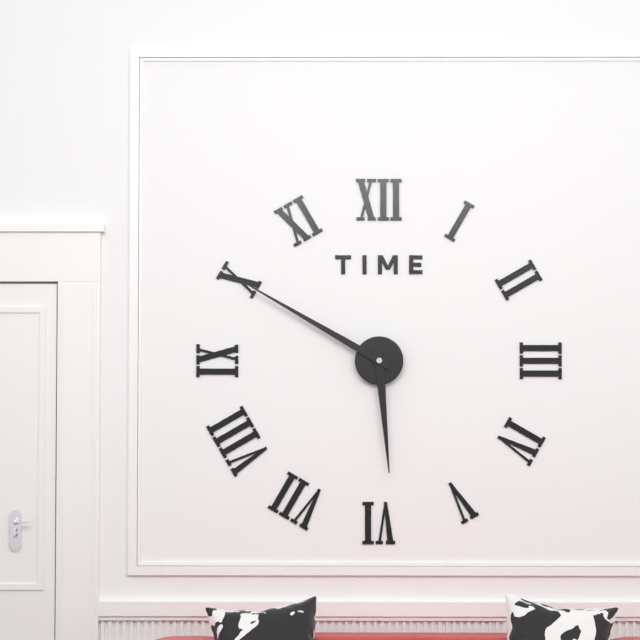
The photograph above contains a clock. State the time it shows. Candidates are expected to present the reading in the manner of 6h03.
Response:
5h50
